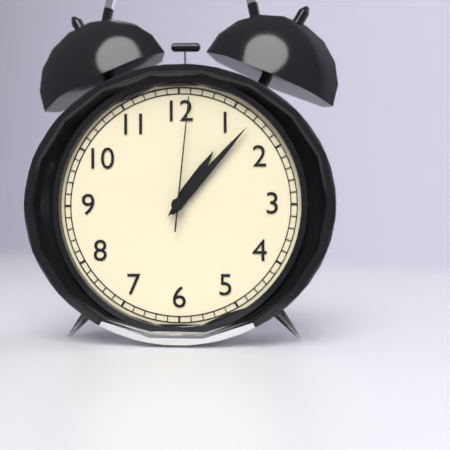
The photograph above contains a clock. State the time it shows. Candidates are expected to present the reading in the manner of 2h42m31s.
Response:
1h07m01s
